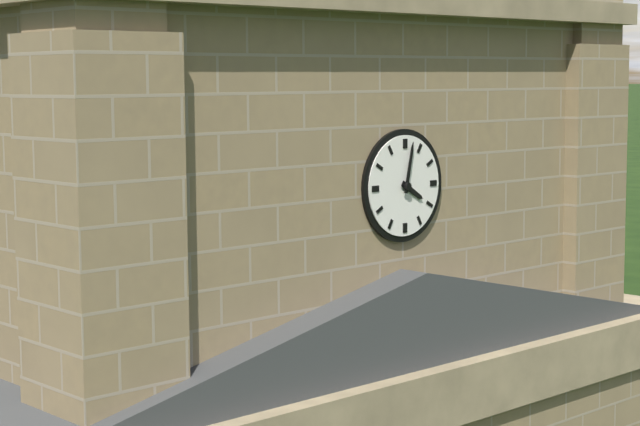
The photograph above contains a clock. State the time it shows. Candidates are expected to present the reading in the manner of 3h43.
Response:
4h02
